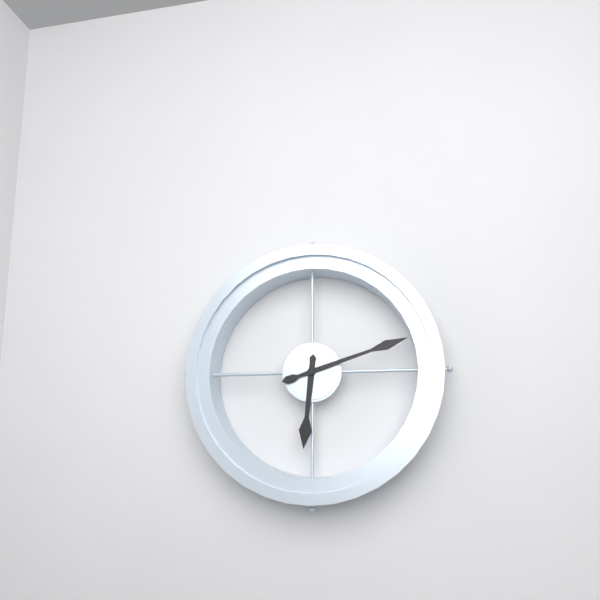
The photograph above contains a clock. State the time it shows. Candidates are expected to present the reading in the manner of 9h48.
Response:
6h12
